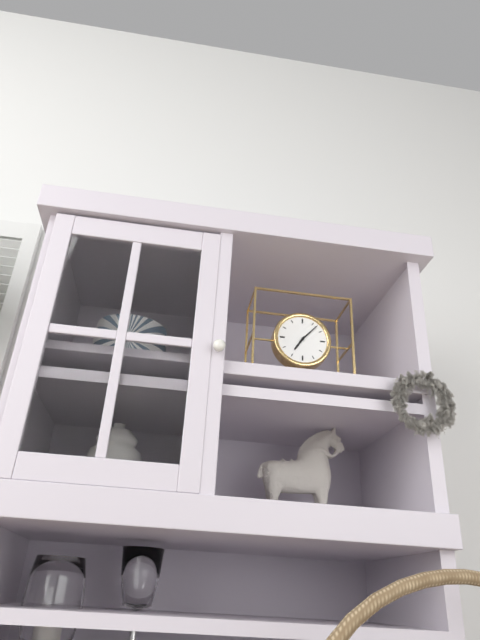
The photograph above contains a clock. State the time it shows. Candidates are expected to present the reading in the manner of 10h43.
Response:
7h07
